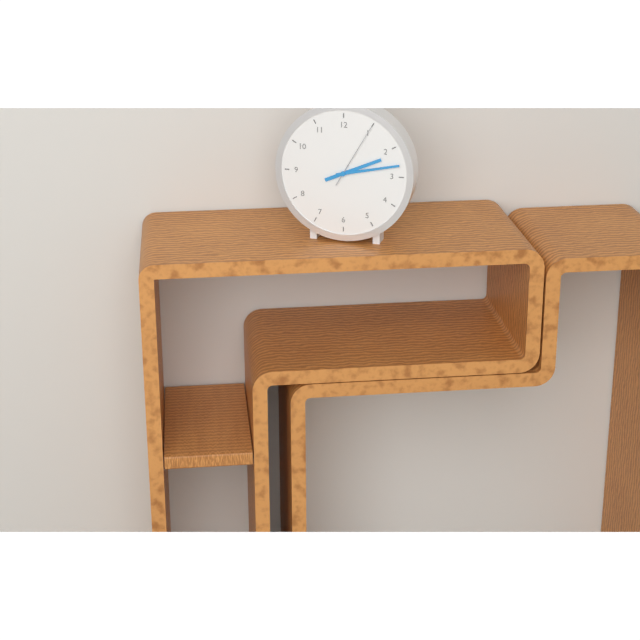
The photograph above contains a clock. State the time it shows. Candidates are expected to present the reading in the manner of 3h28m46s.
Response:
2h13m05s
